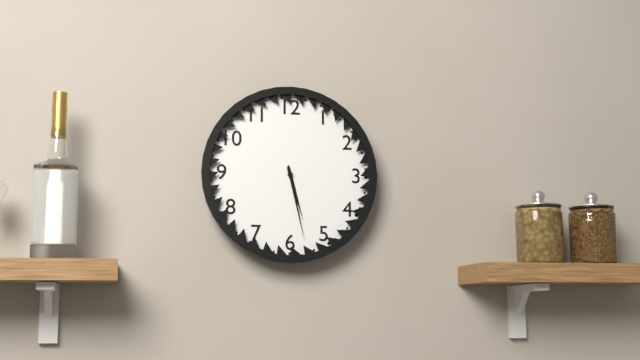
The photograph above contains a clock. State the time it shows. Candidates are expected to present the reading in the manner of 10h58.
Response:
5h28
